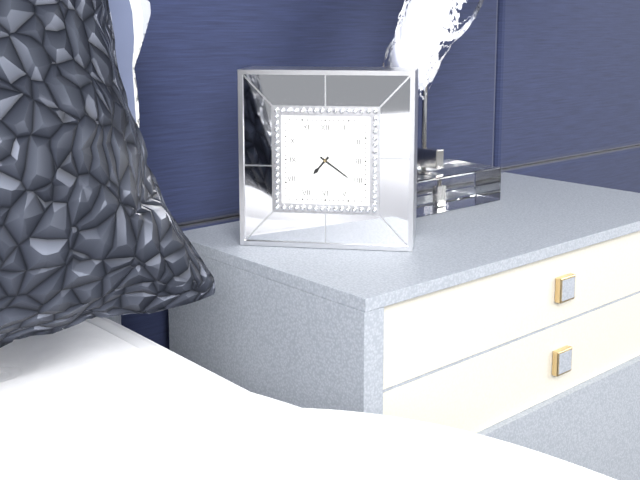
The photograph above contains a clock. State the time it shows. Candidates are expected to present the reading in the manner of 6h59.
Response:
7h21
